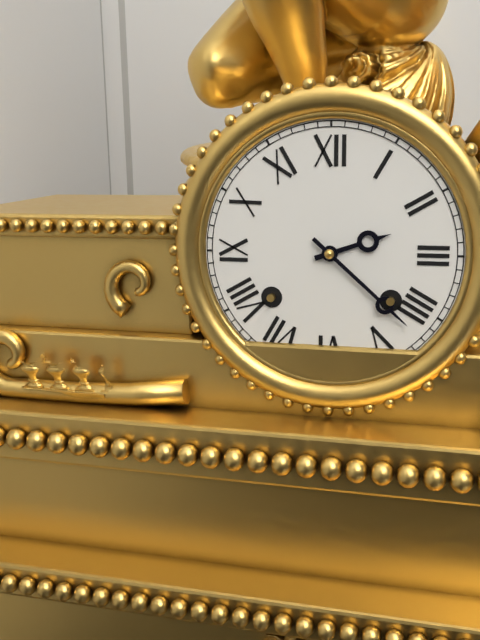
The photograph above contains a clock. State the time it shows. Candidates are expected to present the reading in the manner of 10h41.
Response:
2h22
